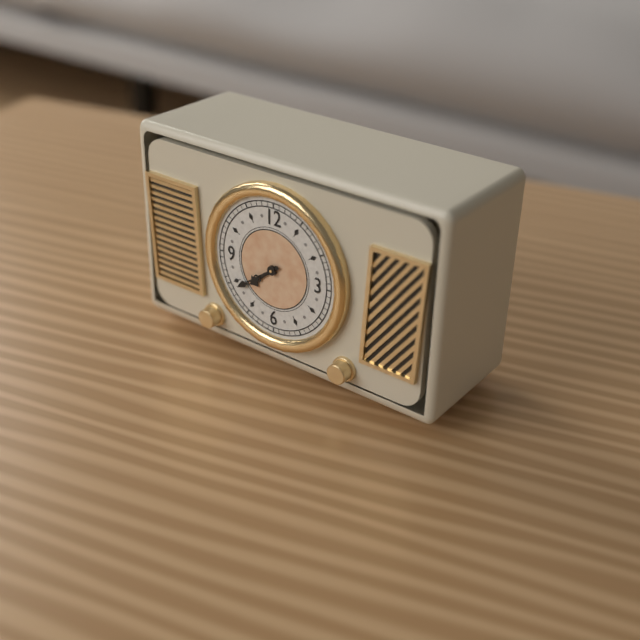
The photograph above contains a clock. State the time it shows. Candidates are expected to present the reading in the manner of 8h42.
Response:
7h39
